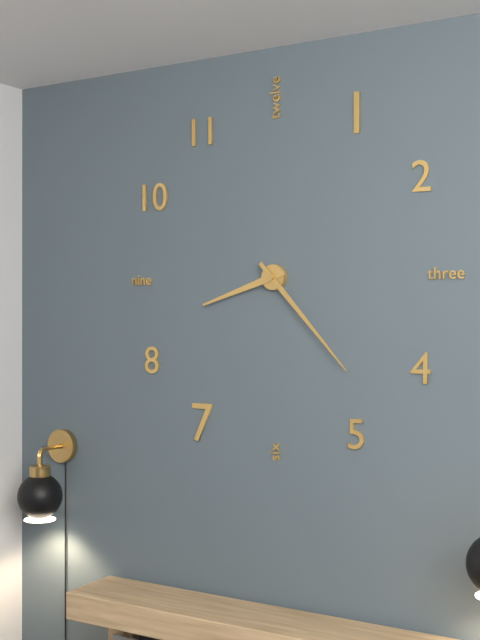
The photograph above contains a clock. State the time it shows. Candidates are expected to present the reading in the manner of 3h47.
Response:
8h23
